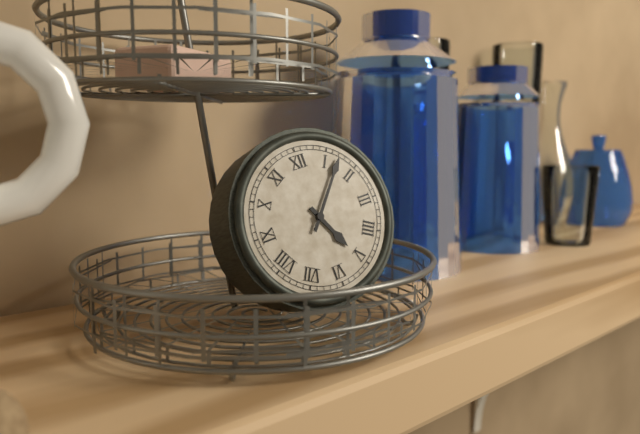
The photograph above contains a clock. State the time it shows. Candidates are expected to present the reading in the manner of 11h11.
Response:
5h07
